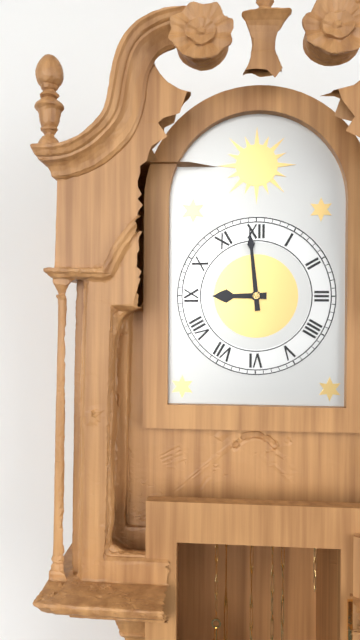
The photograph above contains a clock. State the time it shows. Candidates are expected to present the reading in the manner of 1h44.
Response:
8h59
